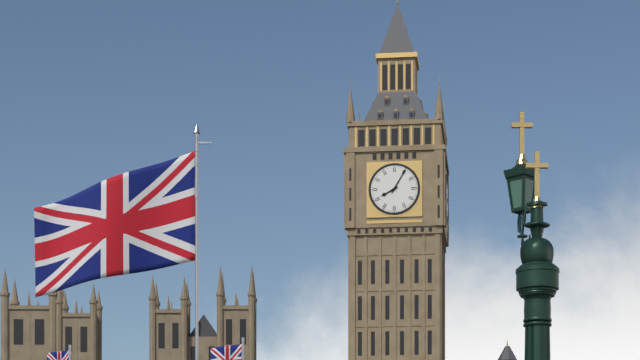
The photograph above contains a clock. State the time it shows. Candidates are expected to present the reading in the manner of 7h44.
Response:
8h05
